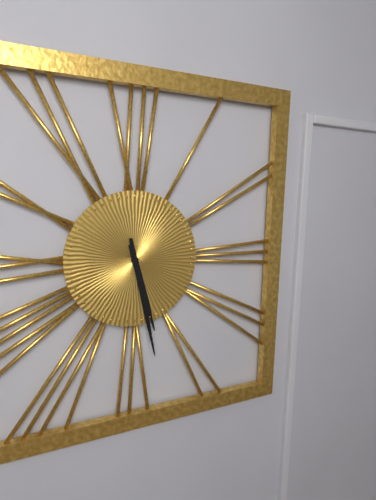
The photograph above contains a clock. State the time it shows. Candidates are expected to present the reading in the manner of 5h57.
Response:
5h28
